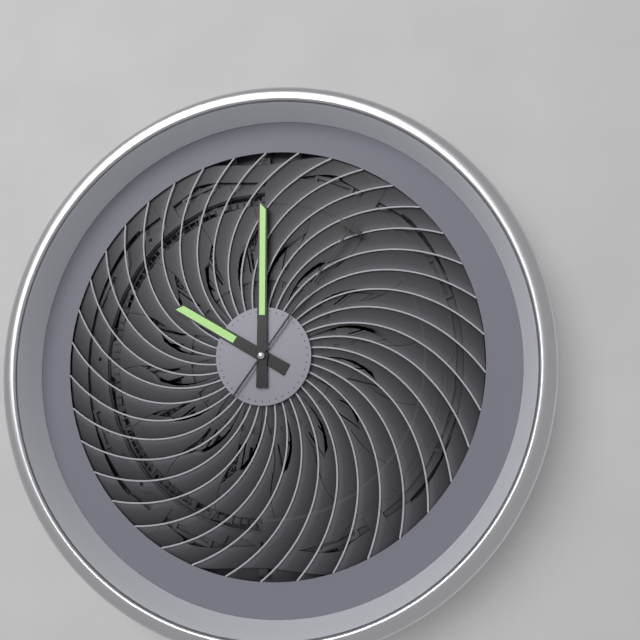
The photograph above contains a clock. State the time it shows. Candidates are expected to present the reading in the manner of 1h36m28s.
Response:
10h00m06s
